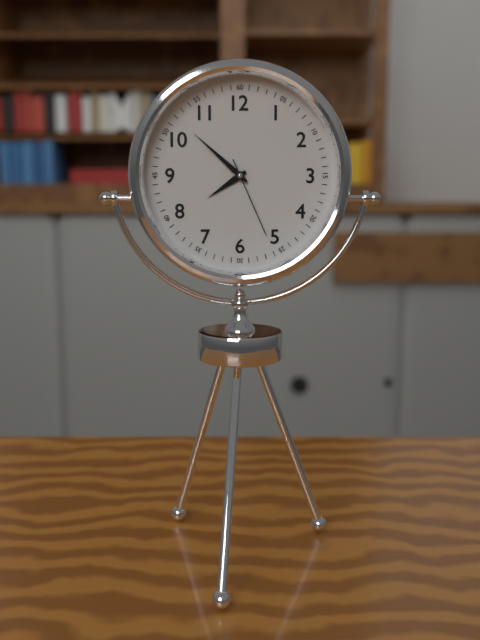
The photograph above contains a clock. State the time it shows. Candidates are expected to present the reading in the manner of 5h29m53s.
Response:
7h52m26s
